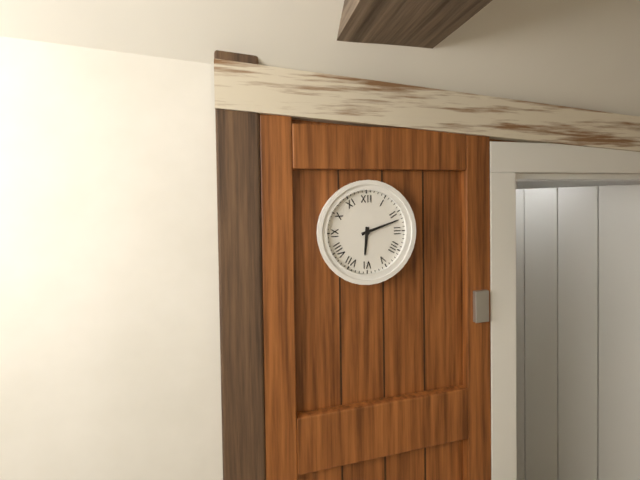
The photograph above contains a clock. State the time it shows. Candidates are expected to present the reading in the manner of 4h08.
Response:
6h12
